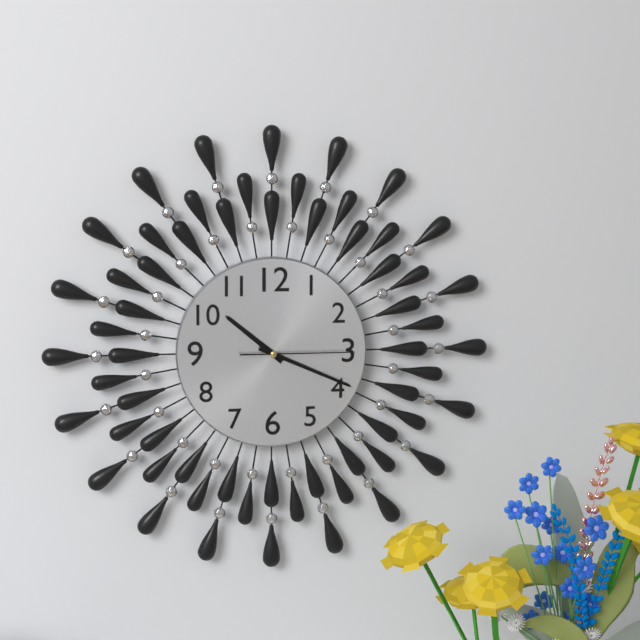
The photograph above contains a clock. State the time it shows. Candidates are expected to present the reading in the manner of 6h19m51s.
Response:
10h19m15s
